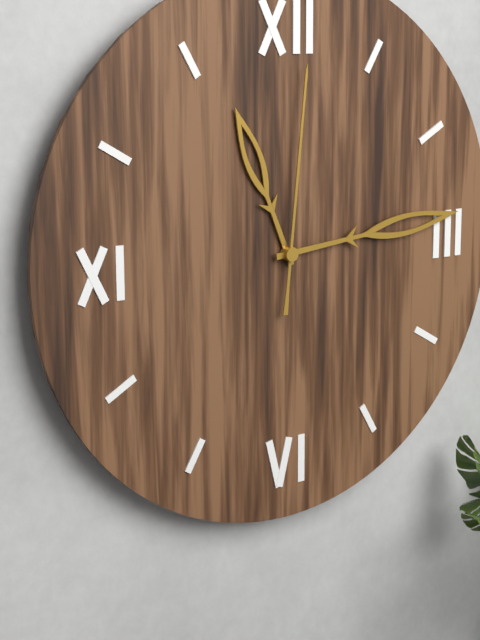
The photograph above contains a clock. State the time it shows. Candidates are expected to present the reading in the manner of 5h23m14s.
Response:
11h14m01s
